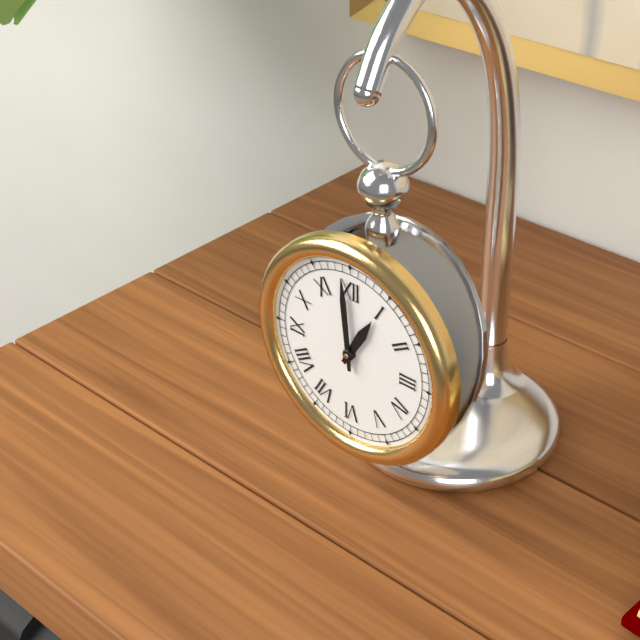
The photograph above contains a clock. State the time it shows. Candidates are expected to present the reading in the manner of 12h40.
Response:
12h59
